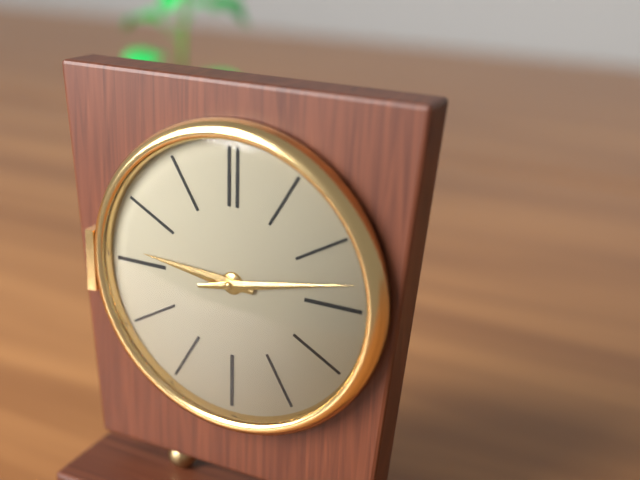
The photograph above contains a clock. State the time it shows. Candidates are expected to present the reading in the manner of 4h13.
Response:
9h13
